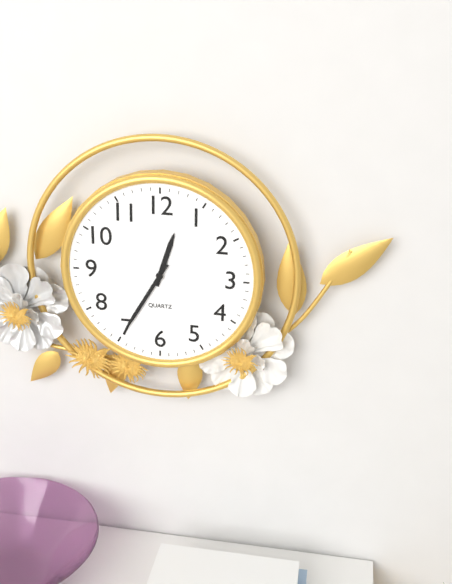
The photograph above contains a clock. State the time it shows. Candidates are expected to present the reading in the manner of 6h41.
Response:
12h35
